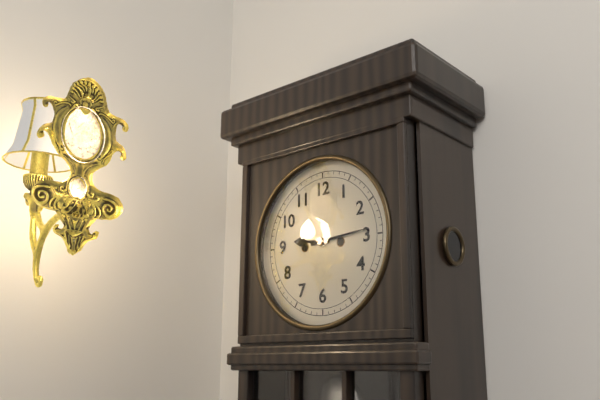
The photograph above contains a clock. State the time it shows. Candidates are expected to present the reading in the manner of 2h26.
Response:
9h14
